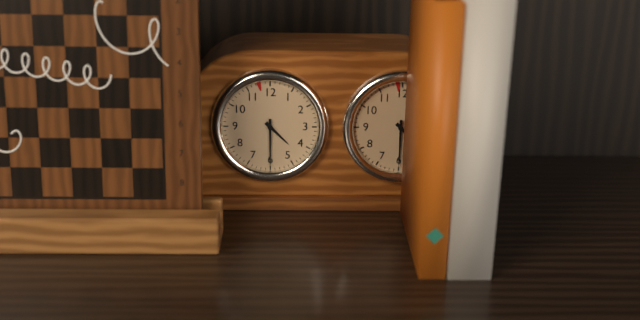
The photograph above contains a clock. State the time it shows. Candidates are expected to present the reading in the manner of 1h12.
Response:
4h30
